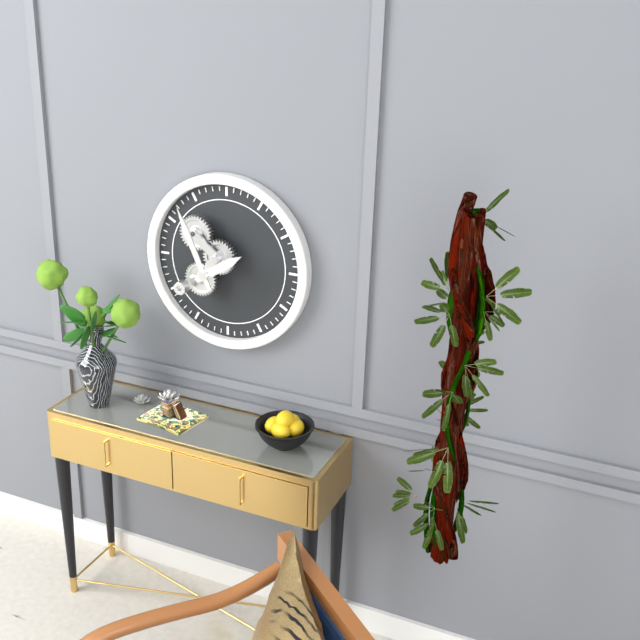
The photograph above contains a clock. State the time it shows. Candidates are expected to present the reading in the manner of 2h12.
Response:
1h56
